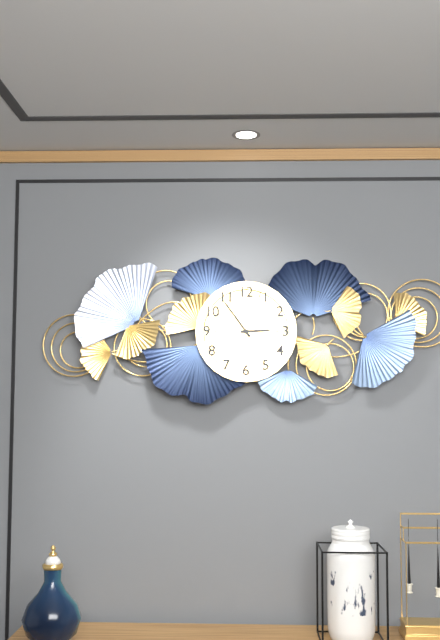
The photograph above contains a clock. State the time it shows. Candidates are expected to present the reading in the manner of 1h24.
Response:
2h54
